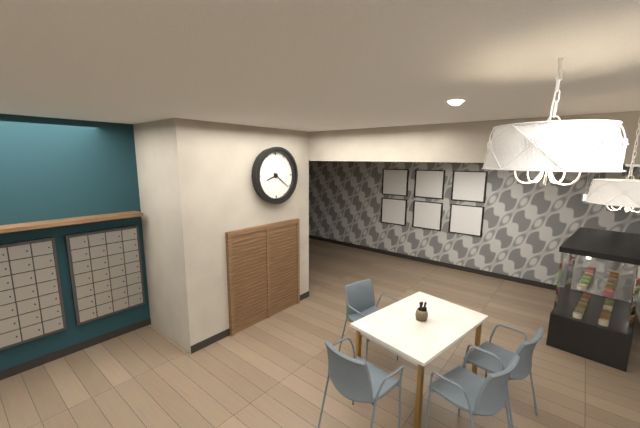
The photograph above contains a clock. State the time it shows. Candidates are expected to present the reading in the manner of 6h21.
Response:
8h21
